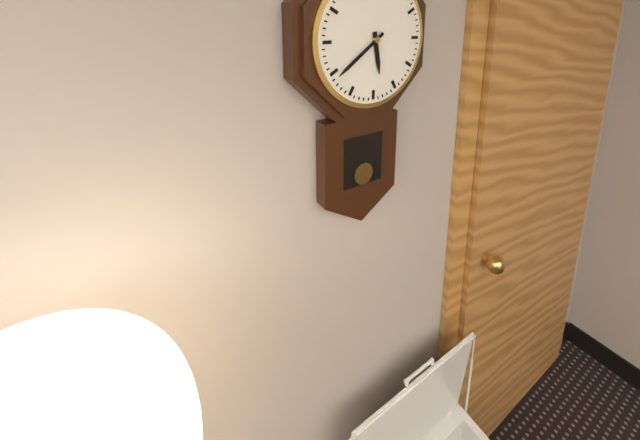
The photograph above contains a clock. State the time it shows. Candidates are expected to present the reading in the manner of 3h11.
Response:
5h39
